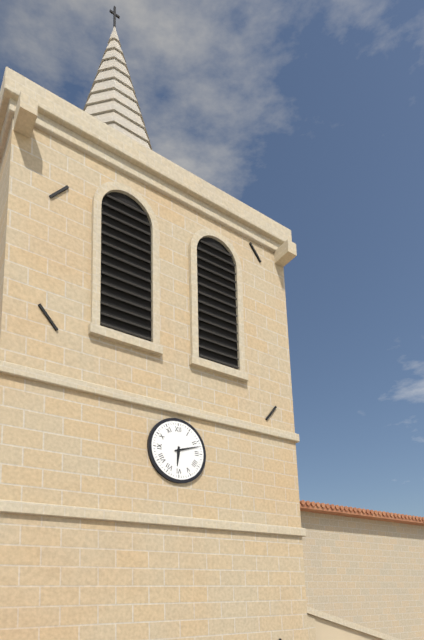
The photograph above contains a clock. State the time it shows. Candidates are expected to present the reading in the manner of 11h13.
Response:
6h12
